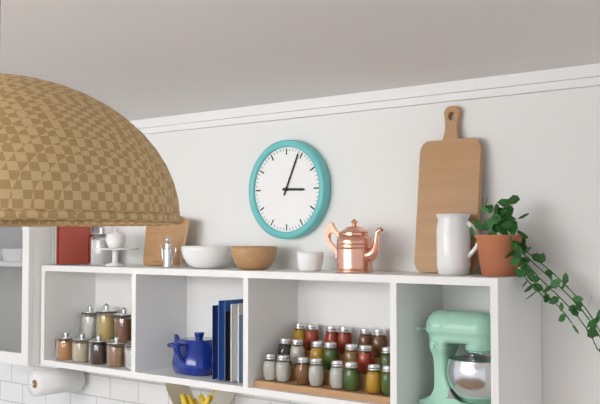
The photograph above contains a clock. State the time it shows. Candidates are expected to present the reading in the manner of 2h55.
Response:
3h04
